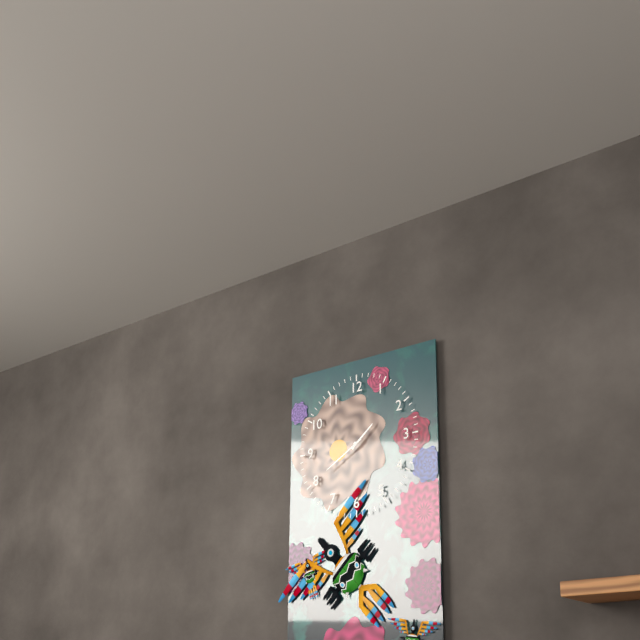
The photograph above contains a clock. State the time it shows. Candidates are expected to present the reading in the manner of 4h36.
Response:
1h40
